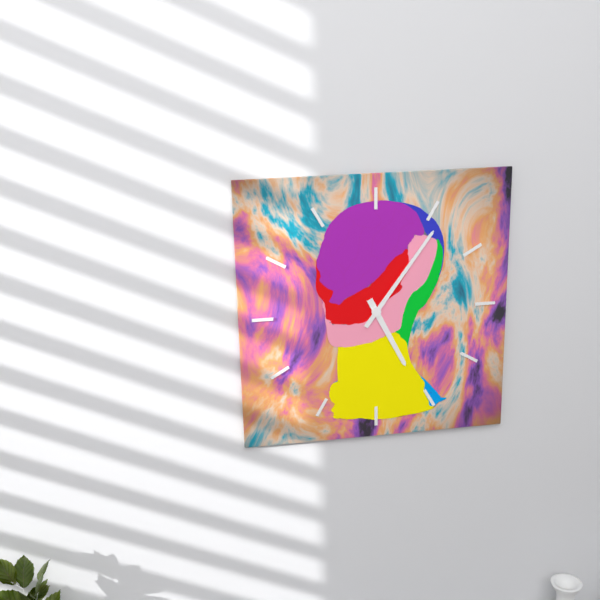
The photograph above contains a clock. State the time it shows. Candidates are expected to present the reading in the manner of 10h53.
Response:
5h06
